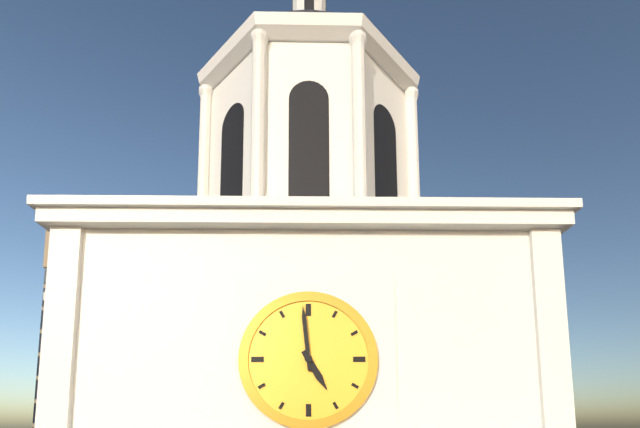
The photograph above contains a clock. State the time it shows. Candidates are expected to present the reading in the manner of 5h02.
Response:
4h59
